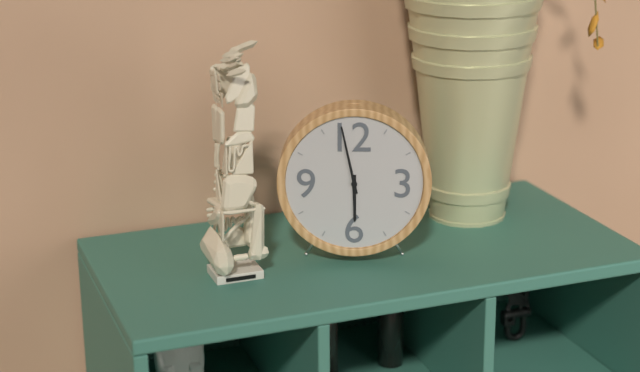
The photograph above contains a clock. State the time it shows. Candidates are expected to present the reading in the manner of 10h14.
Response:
5h58
